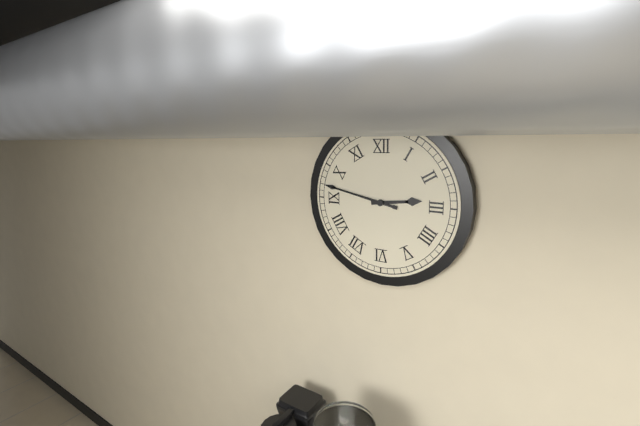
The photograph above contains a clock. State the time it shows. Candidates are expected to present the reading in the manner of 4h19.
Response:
2h47
